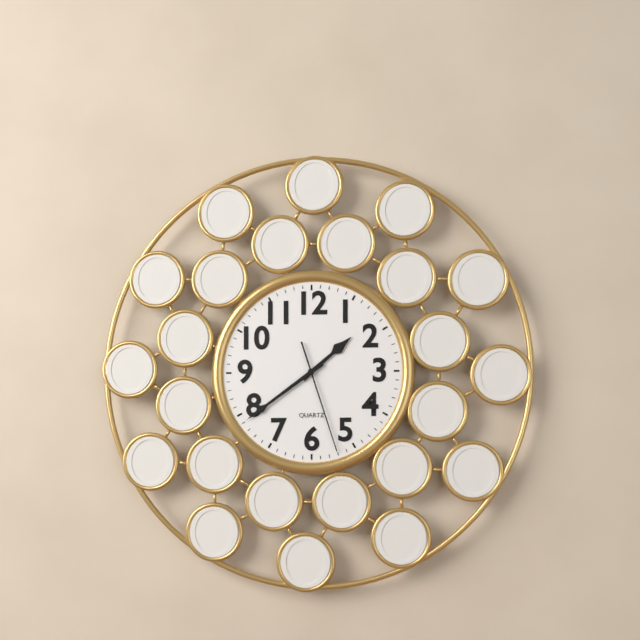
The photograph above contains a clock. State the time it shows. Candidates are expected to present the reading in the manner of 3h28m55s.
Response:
1h39m27s
